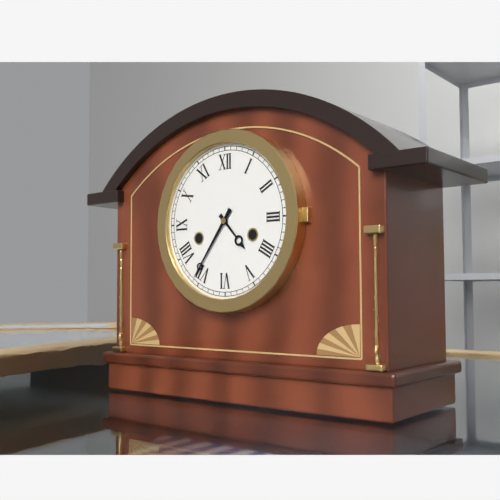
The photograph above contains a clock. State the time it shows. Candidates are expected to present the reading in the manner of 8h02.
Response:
4h36
